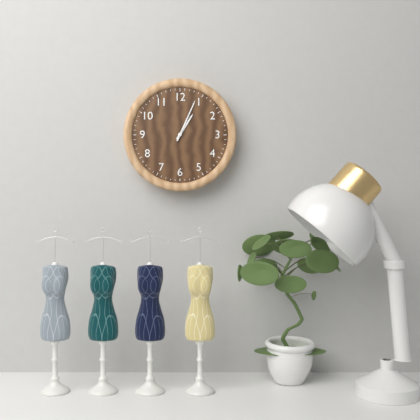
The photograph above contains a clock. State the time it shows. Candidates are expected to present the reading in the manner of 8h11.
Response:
1h04
